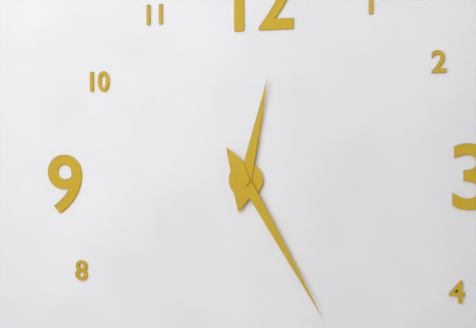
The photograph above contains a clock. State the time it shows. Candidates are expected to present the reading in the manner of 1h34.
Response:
12h25
